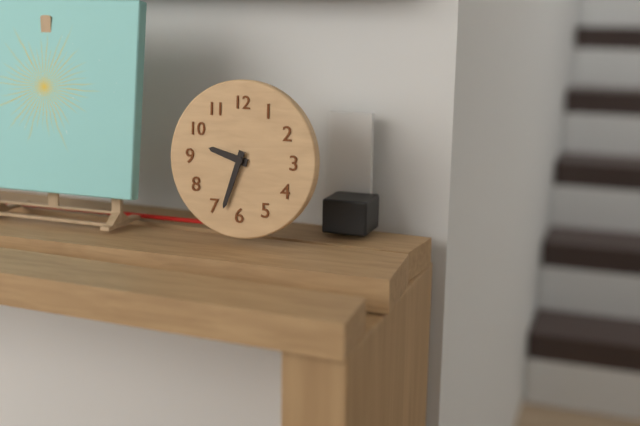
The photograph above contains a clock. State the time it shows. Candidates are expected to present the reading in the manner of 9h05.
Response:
9h33
